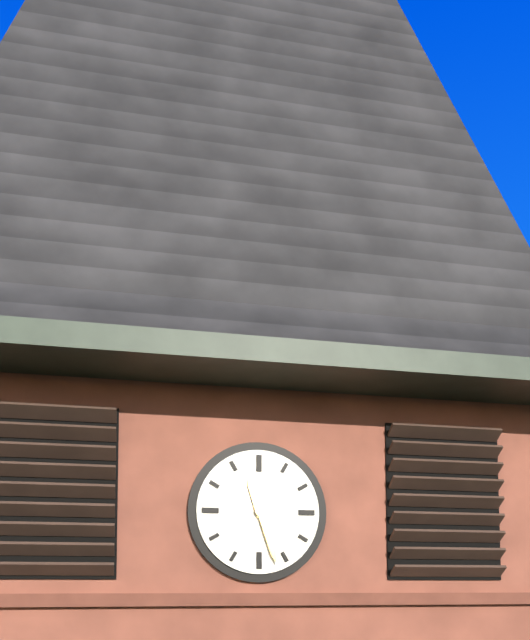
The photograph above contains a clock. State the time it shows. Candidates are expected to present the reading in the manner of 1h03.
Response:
11h27
